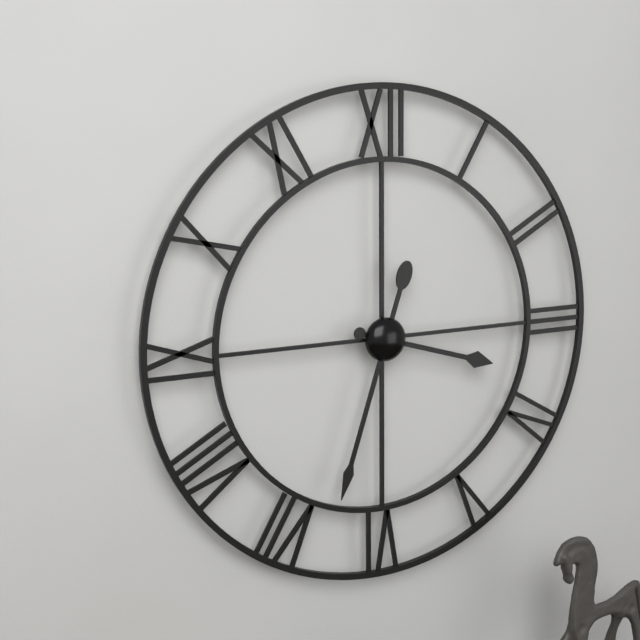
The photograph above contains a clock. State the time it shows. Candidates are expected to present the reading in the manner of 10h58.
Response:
3h33
